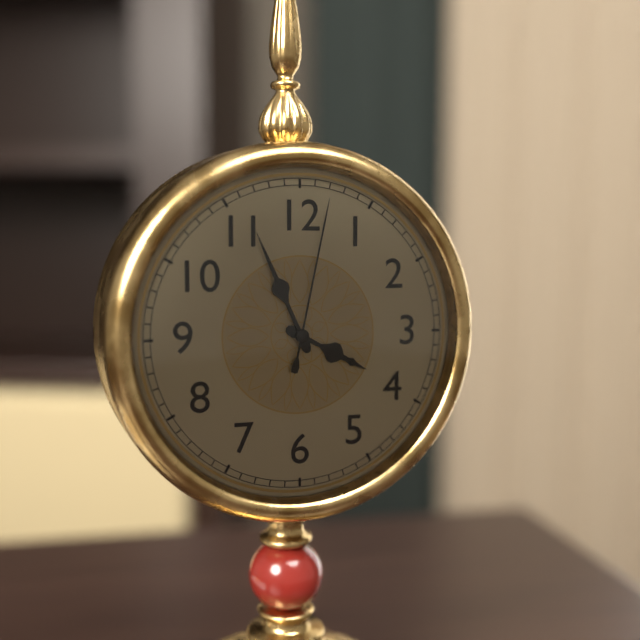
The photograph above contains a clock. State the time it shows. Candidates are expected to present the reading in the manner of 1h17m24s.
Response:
3h56m02s
